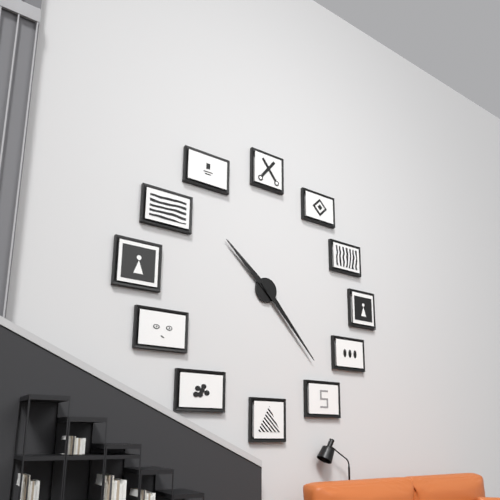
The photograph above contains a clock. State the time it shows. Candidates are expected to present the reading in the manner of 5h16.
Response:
10h23
